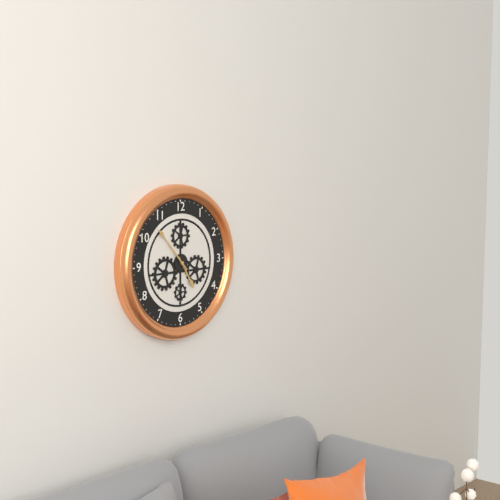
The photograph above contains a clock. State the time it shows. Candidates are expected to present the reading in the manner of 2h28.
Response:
4h53
